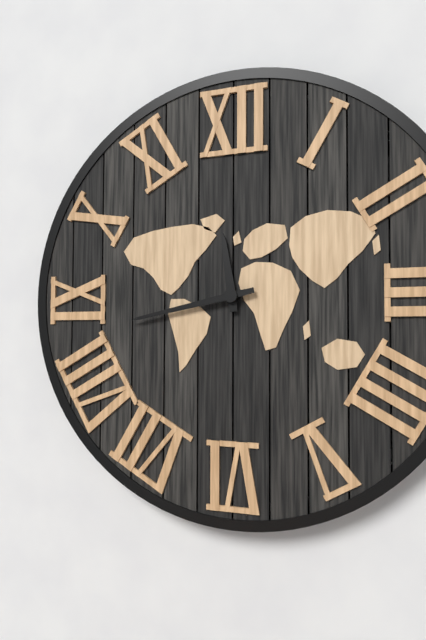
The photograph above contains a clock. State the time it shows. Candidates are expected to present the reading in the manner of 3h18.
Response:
11h43
